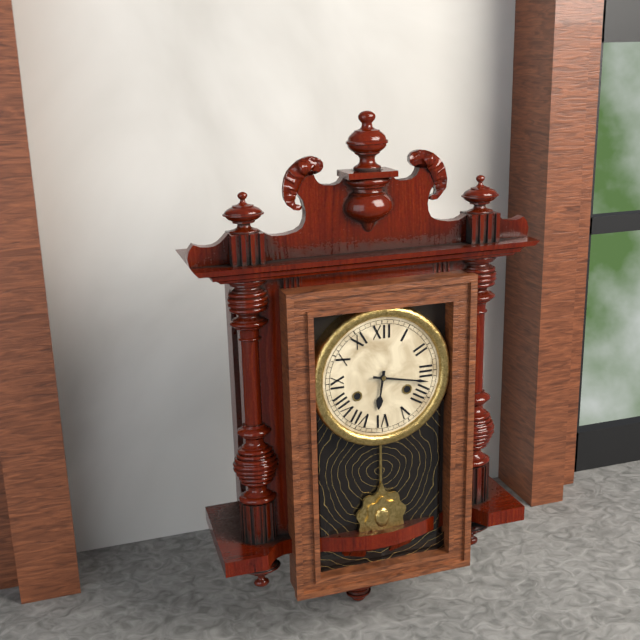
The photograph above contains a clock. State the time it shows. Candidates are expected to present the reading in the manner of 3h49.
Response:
6h17
